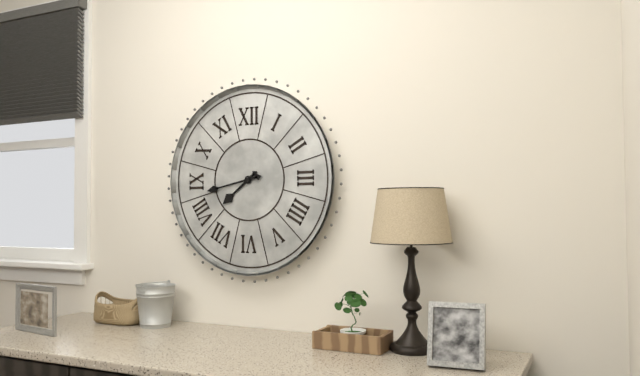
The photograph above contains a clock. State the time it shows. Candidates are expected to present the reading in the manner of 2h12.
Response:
7h43
